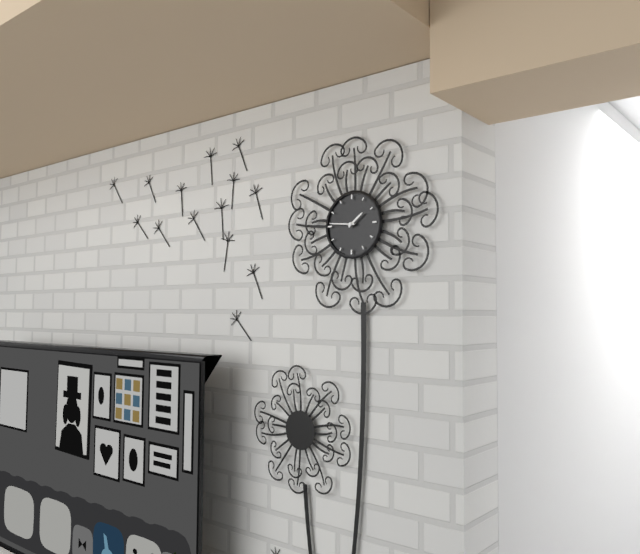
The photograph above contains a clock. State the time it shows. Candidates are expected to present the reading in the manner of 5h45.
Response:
1h46
